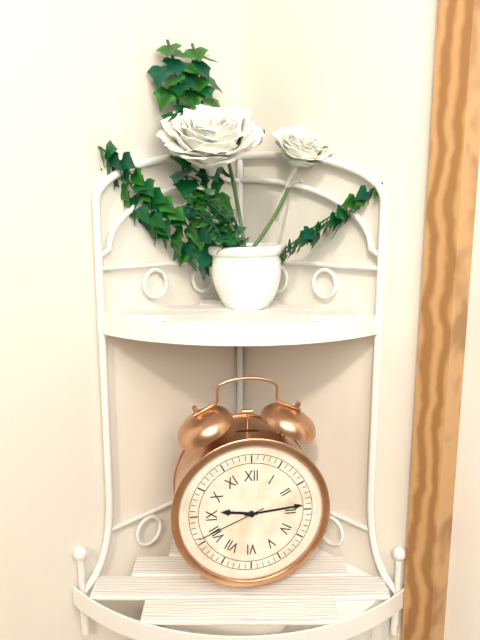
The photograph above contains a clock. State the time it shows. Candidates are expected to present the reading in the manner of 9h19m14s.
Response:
9h14m41s
